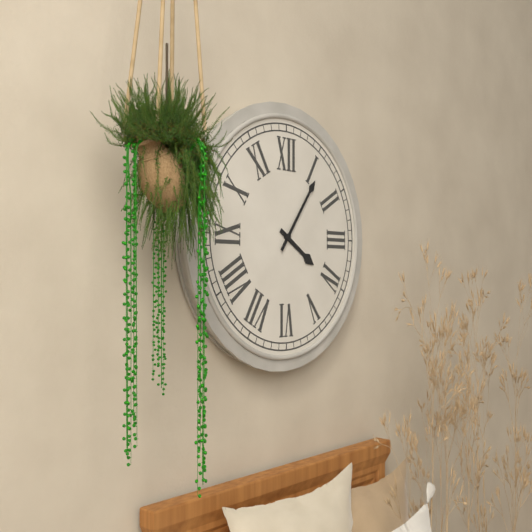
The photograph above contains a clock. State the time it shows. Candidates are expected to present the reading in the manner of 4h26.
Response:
4h06
